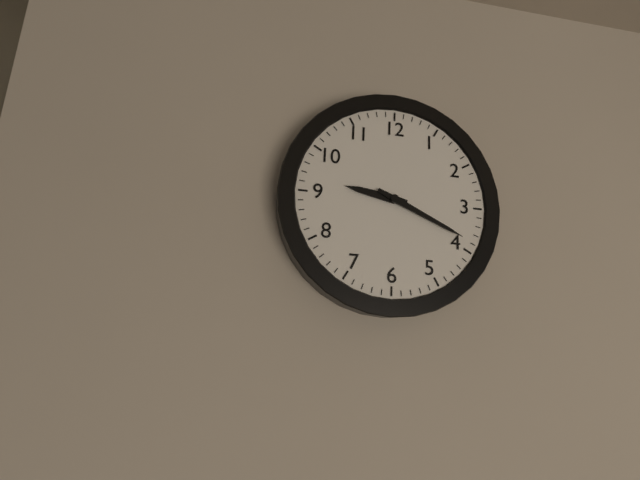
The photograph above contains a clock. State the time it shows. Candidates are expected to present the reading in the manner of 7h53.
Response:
9h19
